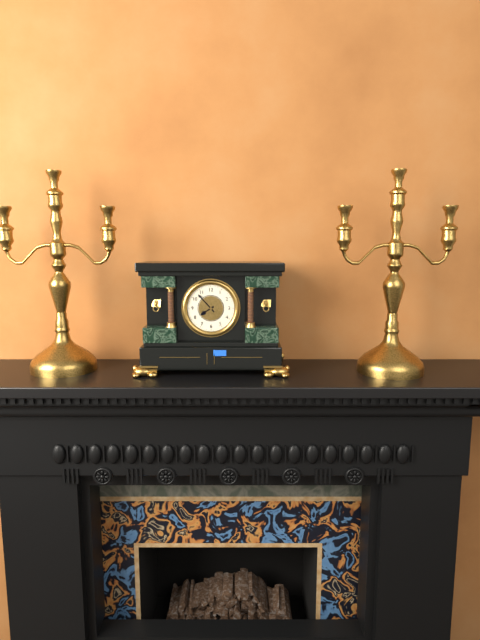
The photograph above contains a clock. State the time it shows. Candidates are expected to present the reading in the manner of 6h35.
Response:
7h53
